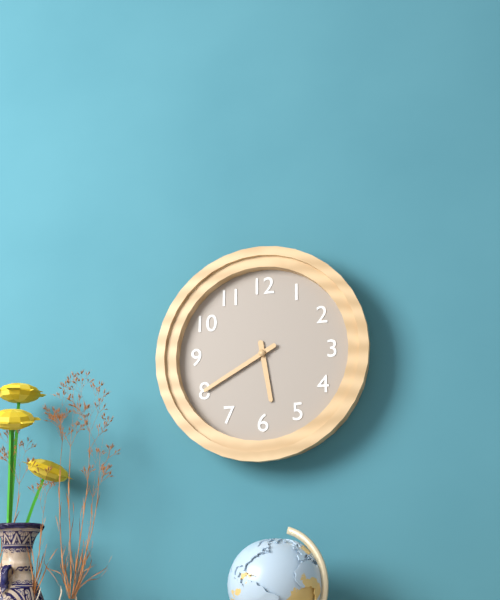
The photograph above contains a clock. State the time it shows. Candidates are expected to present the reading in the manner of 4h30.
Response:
5h40
